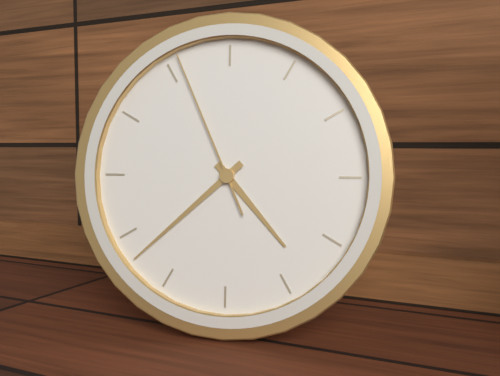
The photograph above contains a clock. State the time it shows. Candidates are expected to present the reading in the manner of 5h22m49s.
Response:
4h38m56s
